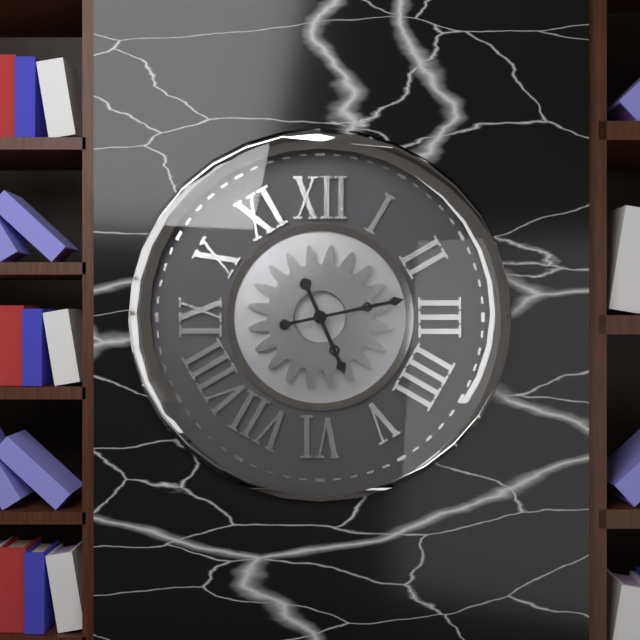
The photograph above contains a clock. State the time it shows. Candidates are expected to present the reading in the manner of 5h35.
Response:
5h13
